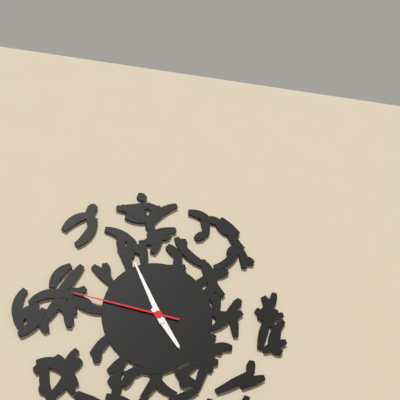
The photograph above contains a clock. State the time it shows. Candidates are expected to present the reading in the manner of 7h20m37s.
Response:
4h56m47s
